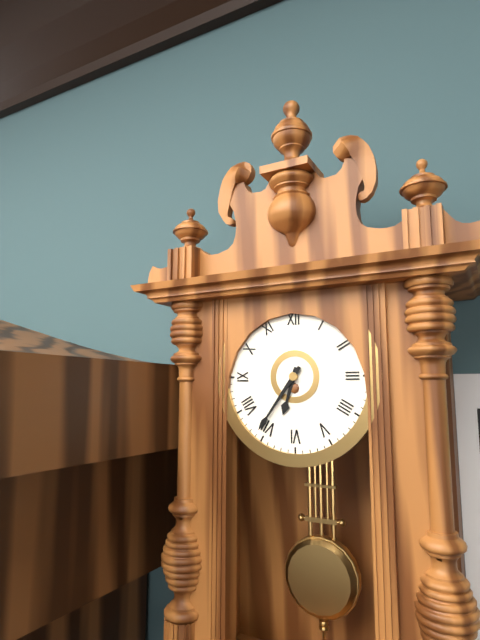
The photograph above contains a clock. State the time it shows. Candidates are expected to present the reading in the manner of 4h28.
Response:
6h36
